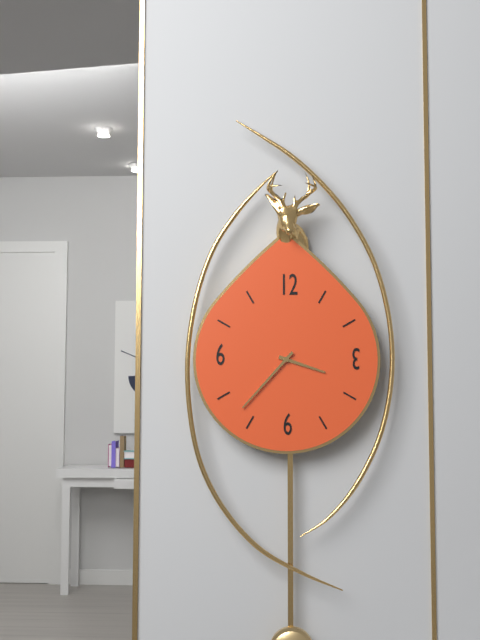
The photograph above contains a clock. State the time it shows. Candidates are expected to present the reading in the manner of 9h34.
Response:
3h37
